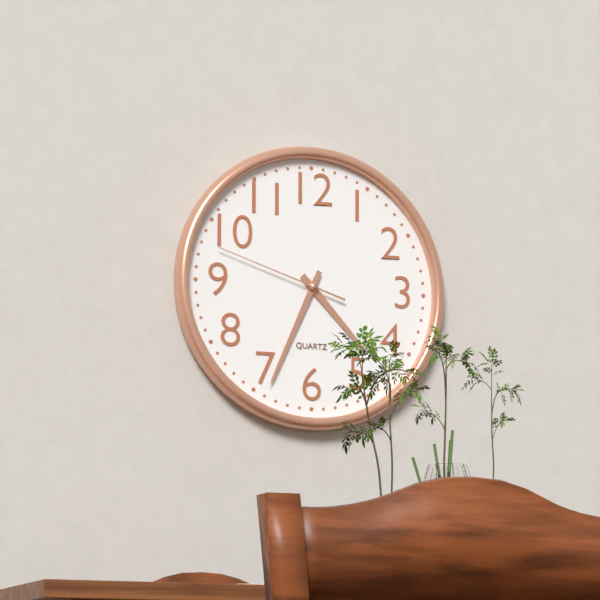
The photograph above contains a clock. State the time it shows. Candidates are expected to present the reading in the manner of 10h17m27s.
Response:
4h34m48s
